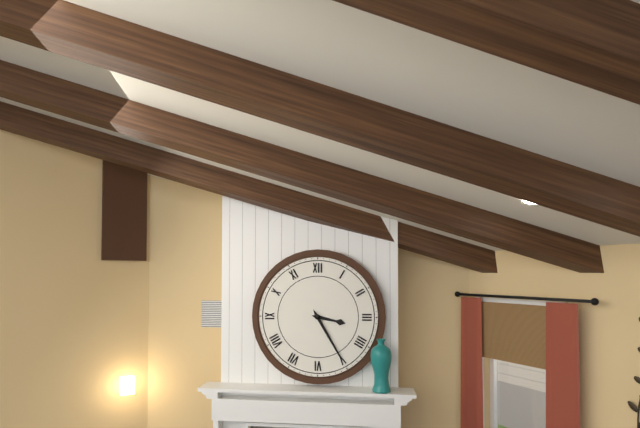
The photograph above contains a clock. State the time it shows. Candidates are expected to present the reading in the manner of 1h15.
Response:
3h25
